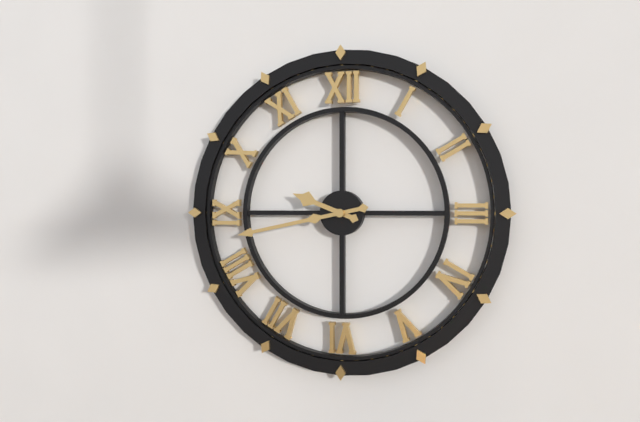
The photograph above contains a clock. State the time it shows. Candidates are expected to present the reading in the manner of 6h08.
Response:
9h43
